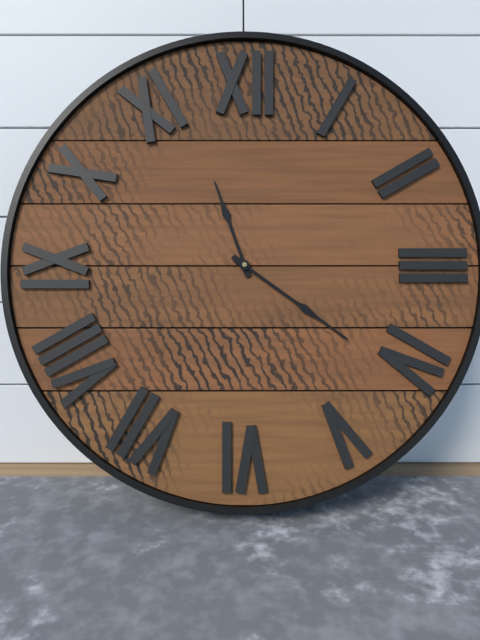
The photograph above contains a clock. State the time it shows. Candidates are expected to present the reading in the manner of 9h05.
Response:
11h21
